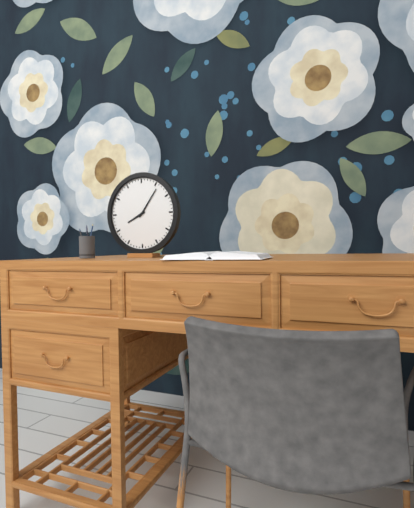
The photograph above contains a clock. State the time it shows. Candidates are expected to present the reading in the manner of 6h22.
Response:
8h06
